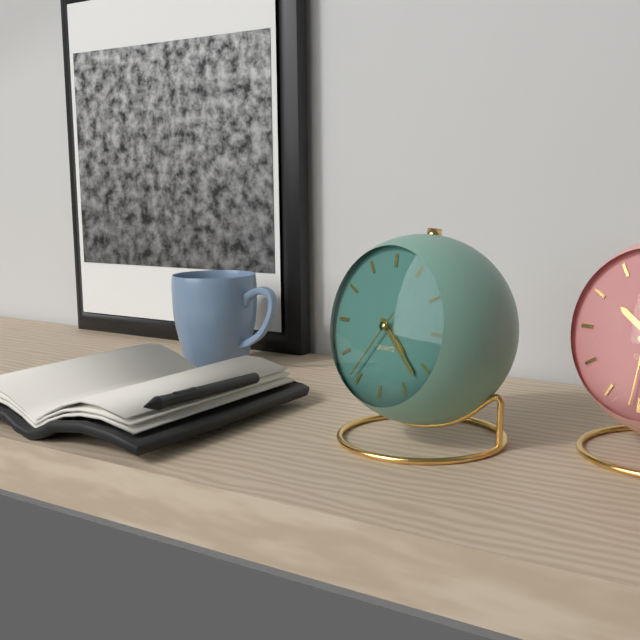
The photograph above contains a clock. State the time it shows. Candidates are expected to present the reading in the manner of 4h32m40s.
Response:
4h22m36s
